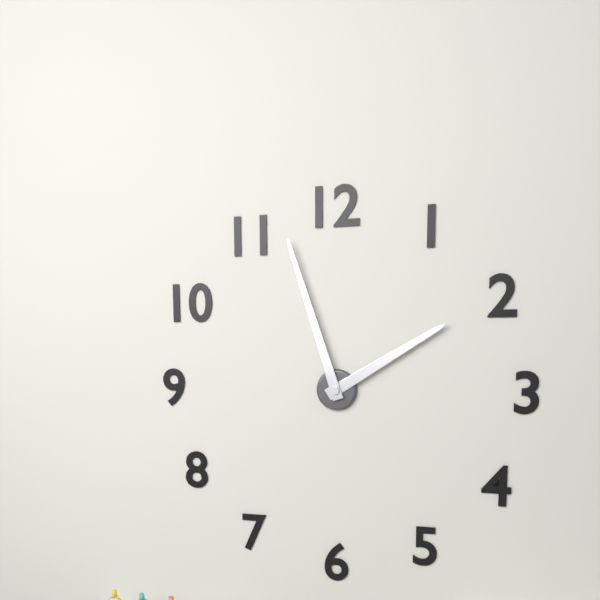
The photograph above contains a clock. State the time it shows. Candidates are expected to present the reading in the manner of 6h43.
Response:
1h57
